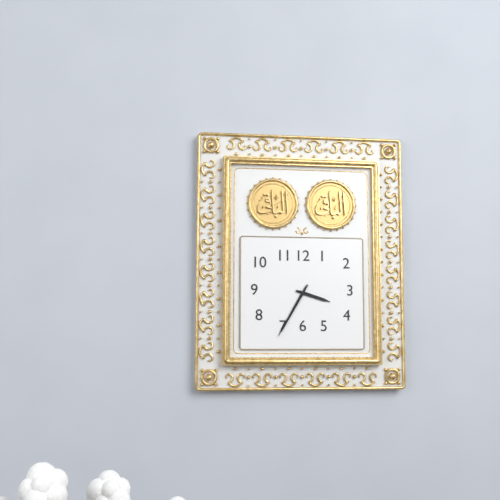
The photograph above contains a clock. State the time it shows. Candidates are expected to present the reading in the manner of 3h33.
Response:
3h35
